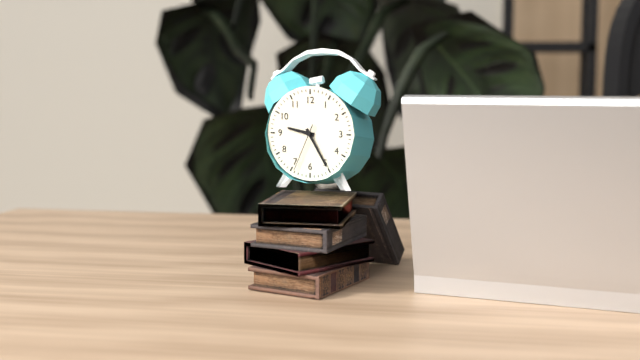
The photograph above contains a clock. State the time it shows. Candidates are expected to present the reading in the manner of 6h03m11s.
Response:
9h25m34s
